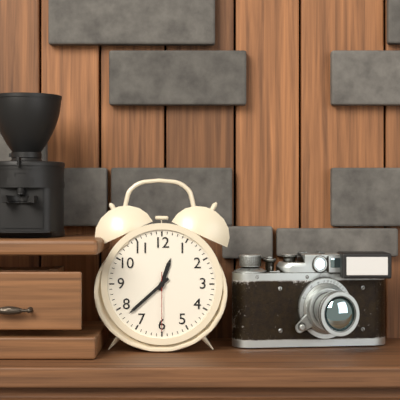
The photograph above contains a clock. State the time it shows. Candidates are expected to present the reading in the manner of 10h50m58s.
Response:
12h38m30s
